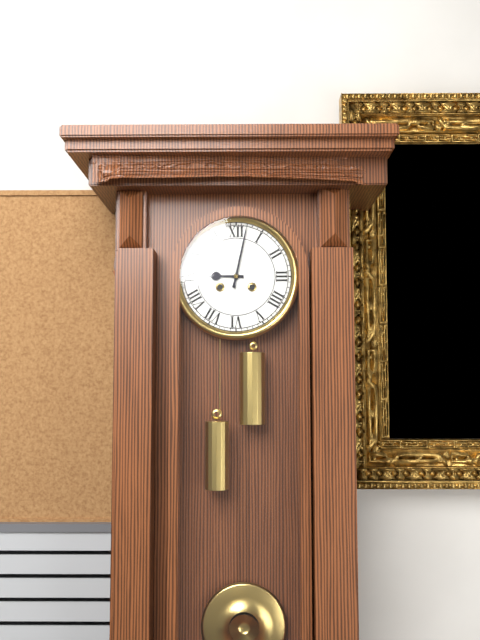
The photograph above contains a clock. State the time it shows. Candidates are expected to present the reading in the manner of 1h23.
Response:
9h02
